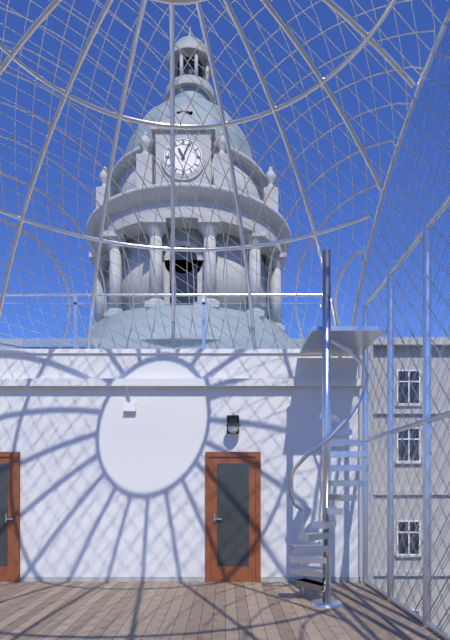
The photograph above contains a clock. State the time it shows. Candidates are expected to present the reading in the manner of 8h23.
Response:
11h04
